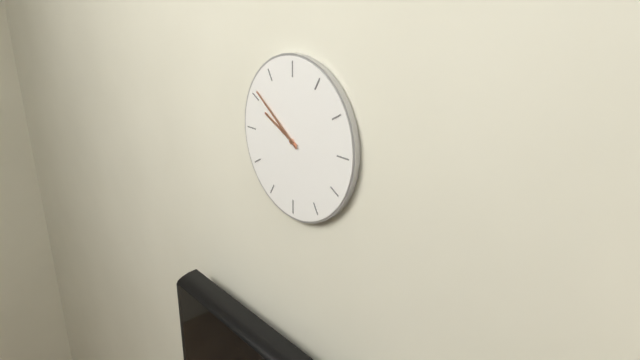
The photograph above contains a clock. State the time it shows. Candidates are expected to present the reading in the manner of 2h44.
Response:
9h51
